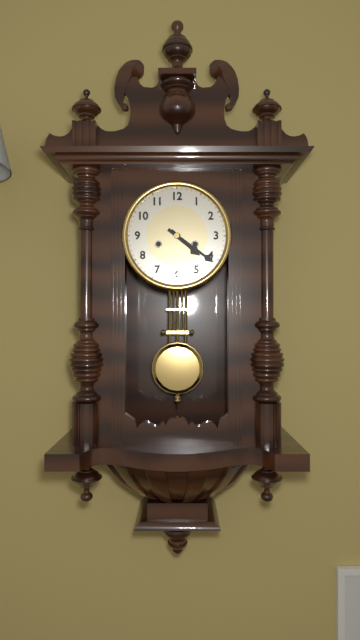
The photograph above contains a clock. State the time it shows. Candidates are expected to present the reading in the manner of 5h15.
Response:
4h21
